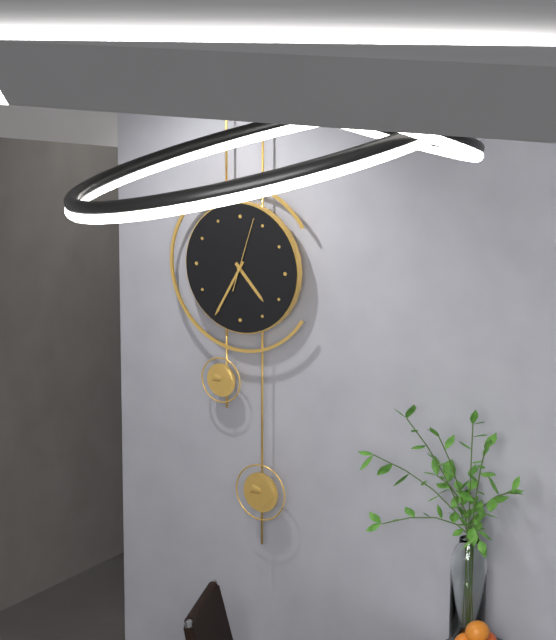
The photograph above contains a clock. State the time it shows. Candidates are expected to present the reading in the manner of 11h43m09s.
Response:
4h35m03s
